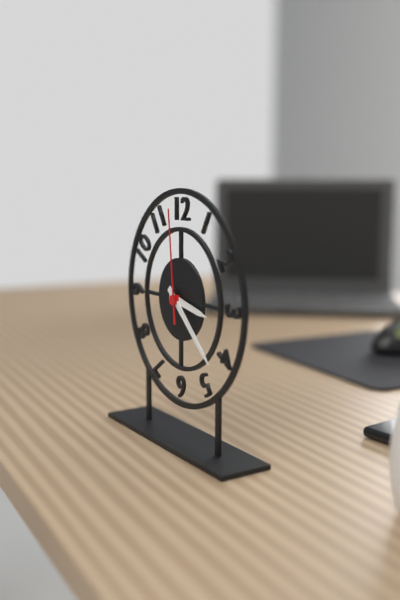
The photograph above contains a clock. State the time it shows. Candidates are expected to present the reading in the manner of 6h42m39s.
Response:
3h22m59s
